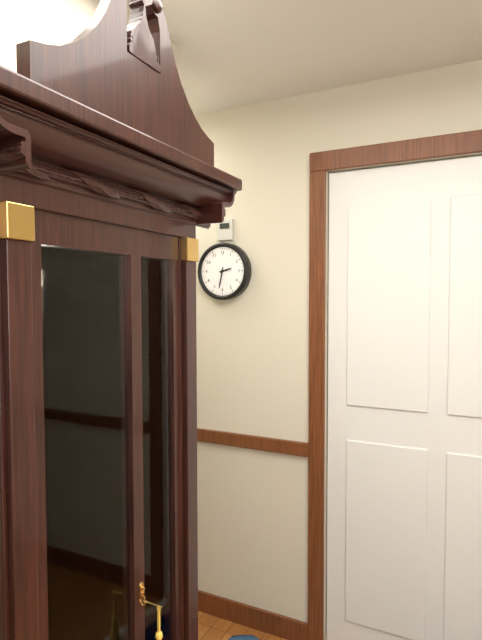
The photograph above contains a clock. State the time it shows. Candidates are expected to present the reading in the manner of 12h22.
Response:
2h32
